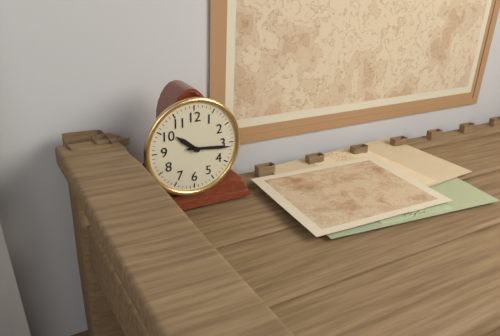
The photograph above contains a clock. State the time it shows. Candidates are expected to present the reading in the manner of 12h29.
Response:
10h16
